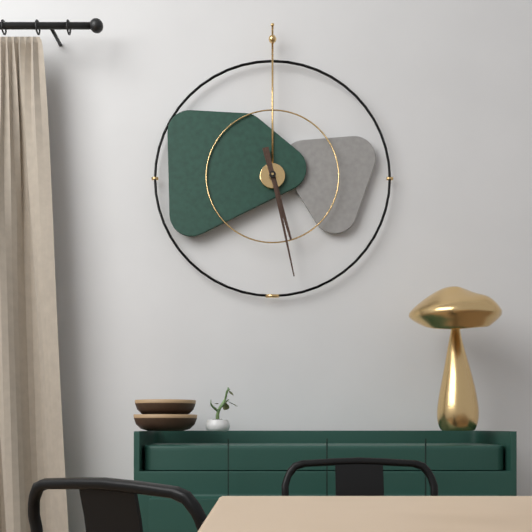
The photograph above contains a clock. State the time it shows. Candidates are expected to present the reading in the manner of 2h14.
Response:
5h28
